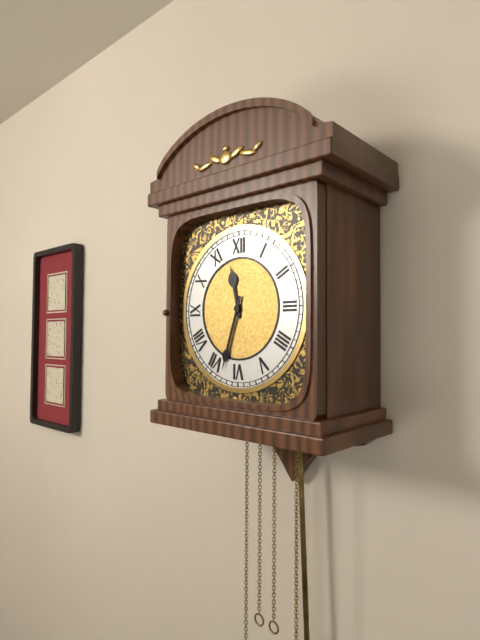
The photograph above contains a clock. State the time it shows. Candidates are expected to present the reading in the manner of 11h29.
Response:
11h33
